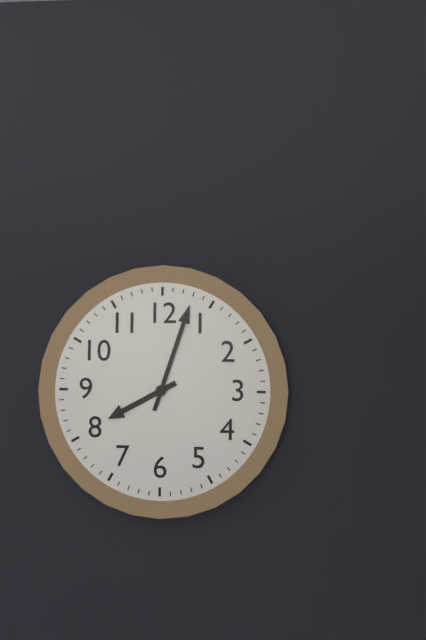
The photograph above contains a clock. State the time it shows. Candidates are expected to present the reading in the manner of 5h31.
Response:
8h03
